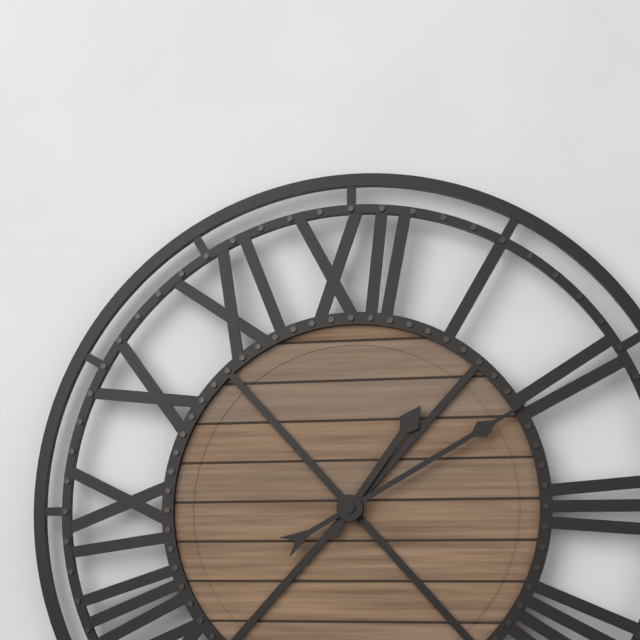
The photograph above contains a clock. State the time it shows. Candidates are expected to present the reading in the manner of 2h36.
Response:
1h10
